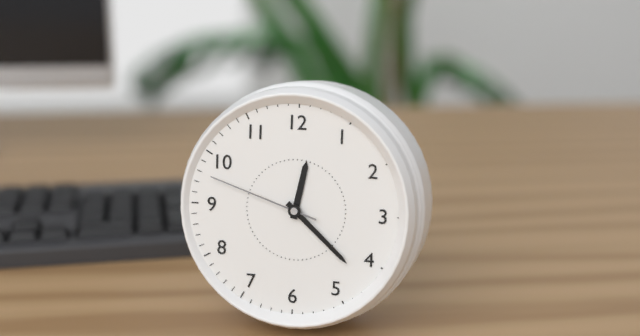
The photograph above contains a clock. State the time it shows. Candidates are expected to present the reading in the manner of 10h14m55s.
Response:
12h22m48s
